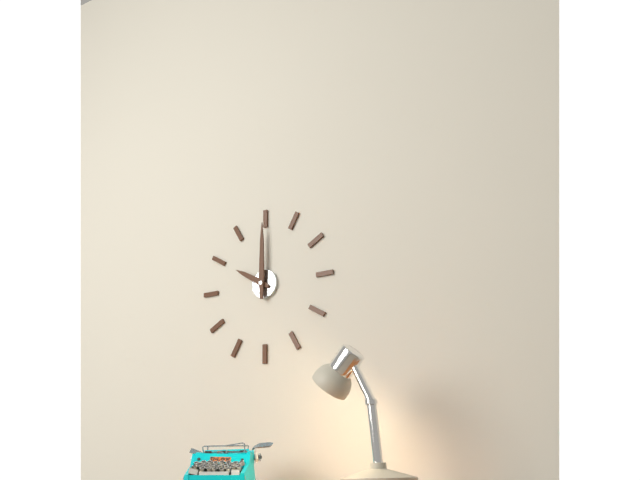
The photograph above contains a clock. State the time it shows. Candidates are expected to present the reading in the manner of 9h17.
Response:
10h00
